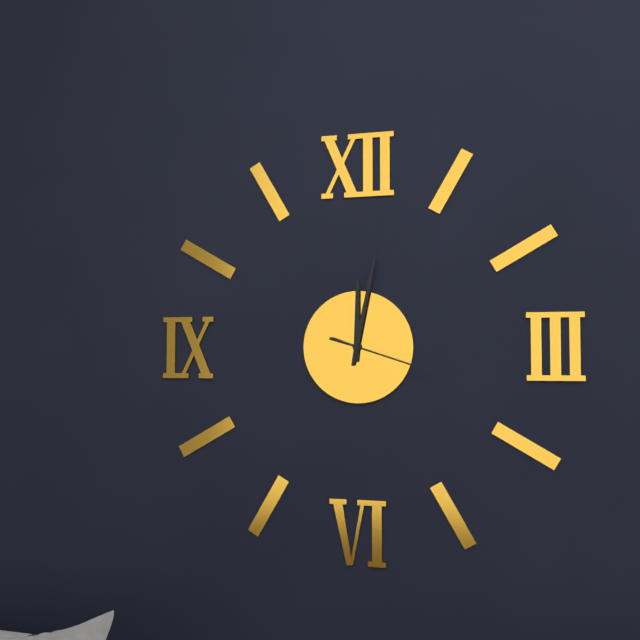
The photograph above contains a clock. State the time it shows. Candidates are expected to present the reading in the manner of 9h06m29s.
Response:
12h02m18s
